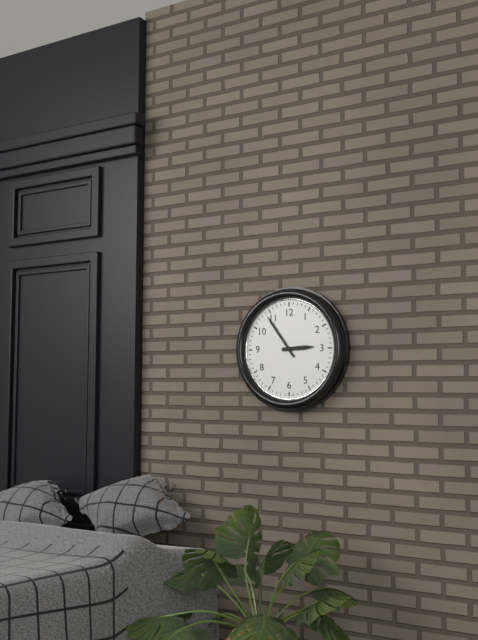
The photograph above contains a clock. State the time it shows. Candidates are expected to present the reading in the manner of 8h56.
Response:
2h54
